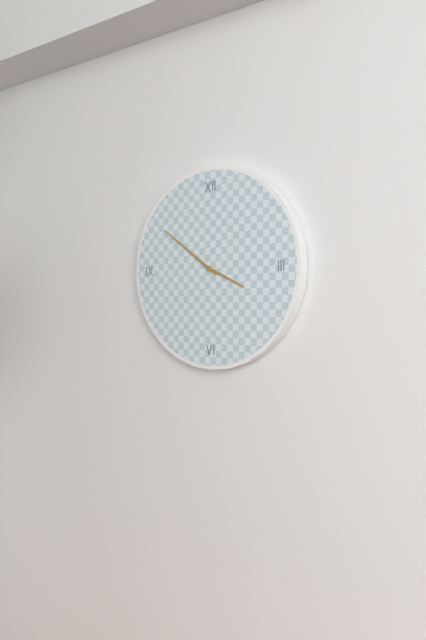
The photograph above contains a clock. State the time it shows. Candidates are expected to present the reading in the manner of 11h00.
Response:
3h51
